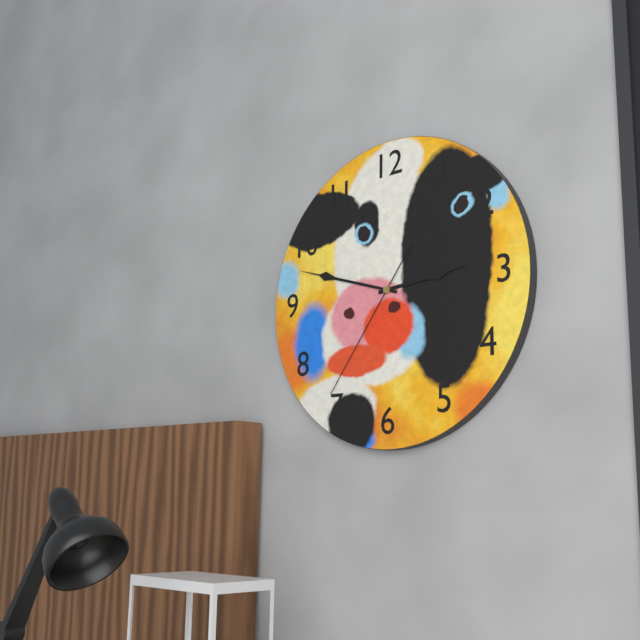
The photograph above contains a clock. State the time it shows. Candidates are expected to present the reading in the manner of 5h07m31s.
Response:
2h48m36s
